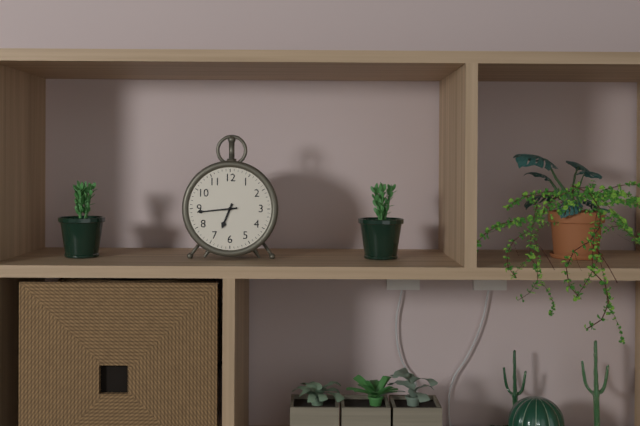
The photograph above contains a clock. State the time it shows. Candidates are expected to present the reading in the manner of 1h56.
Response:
6h44
